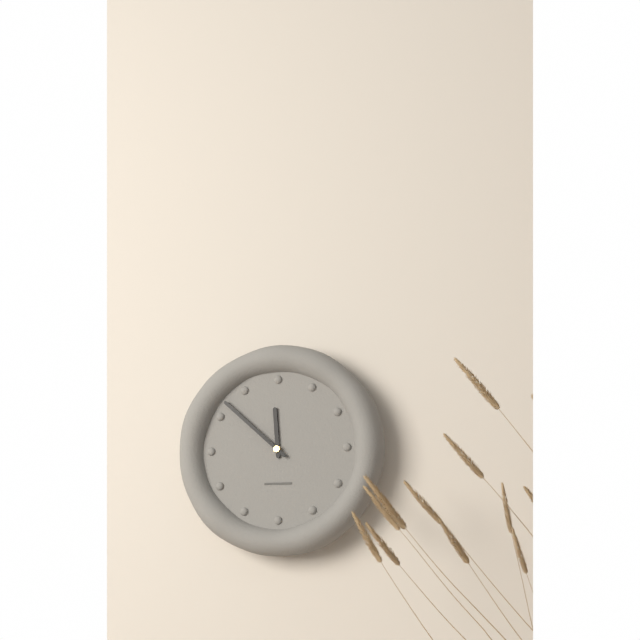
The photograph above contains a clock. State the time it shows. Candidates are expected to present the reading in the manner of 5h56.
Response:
11h52
